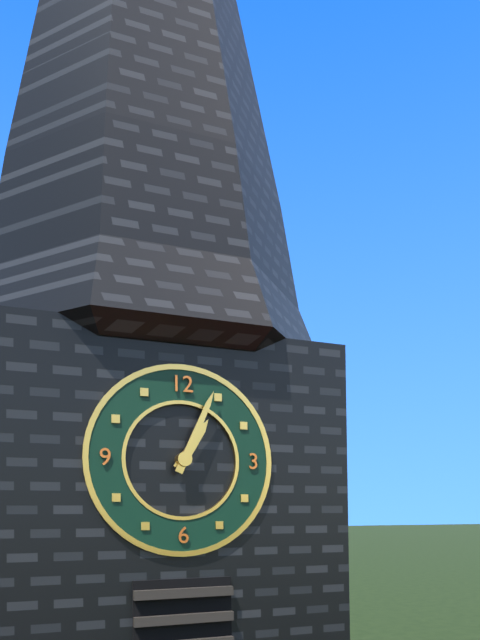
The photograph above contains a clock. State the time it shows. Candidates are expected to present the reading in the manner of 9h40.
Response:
1h04
